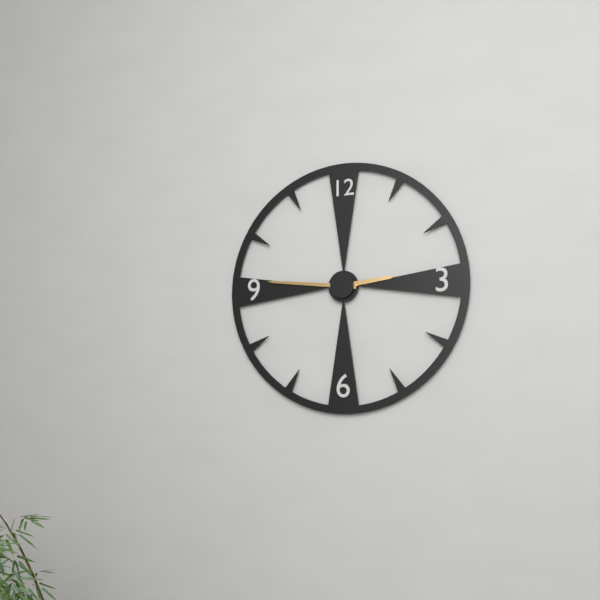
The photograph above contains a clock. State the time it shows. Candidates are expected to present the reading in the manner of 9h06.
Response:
2h46
